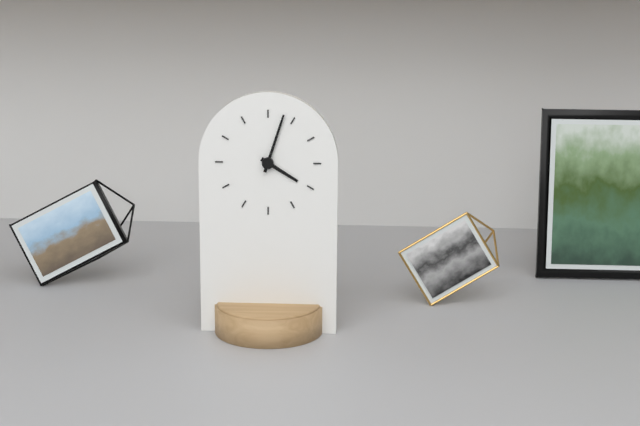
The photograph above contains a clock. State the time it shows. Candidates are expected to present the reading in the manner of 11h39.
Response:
4h03
